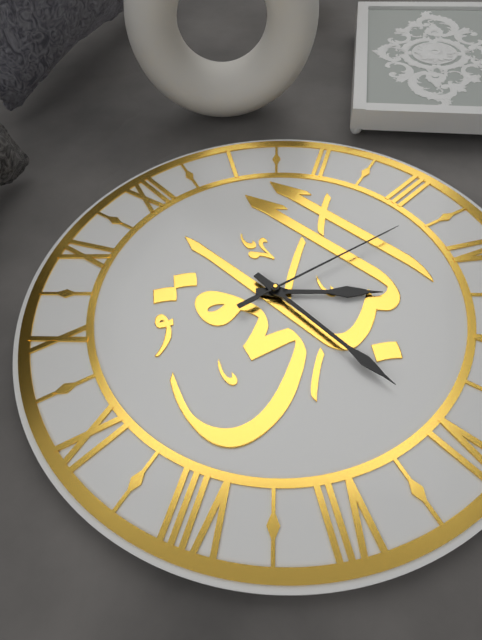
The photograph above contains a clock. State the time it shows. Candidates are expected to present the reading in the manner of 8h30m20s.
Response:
4h30m17s
